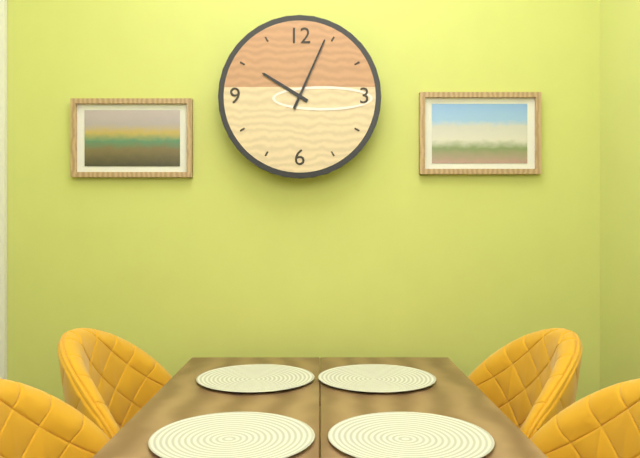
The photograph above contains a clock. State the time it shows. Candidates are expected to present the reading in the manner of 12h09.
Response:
10h04
